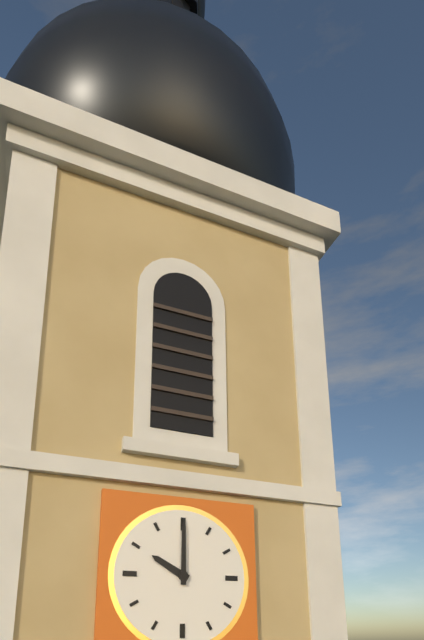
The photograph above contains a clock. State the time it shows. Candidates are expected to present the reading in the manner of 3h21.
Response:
10h00
